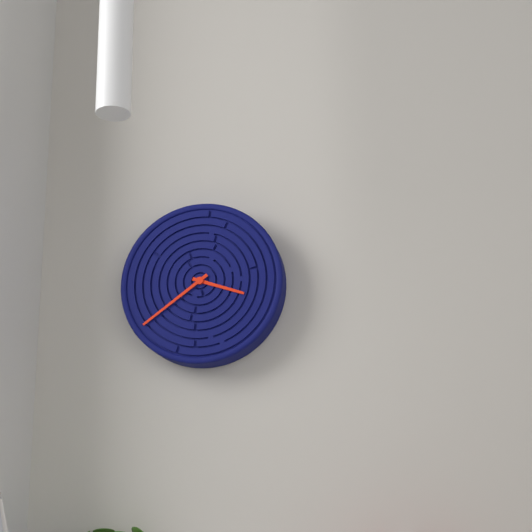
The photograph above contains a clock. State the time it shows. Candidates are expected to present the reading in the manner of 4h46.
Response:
3h39
